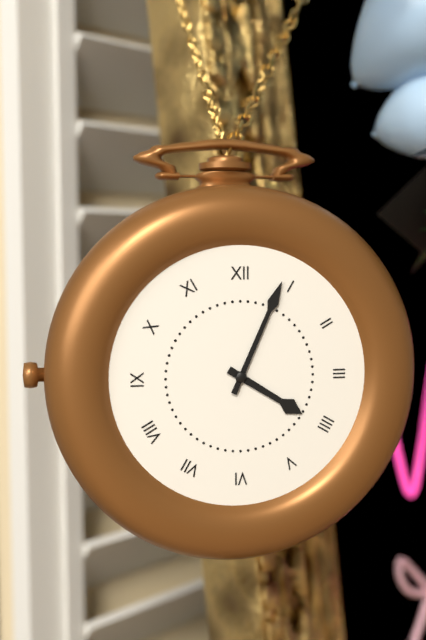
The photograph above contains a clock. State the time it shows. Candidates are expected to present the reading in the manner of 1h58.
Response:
4h04
